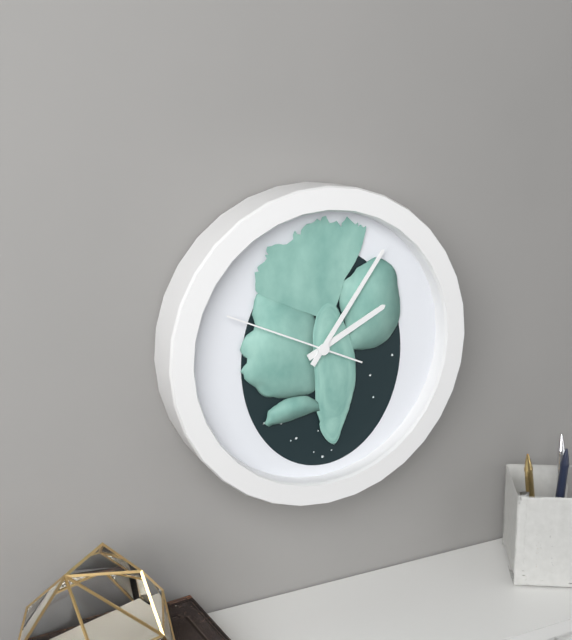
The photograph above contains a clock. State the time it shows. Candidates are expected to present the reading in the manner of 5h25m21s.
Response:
2h06m49s
